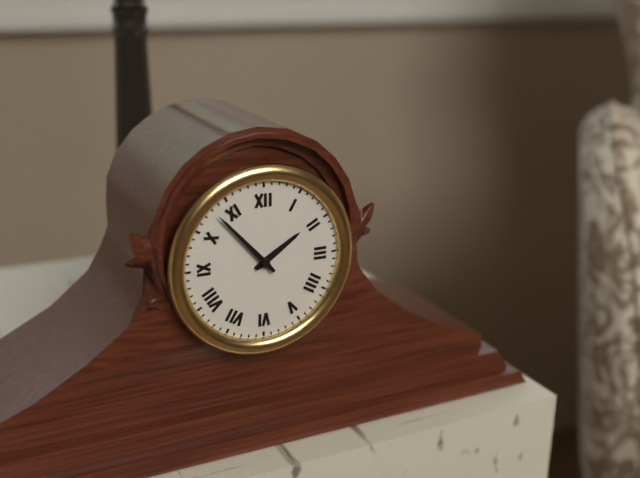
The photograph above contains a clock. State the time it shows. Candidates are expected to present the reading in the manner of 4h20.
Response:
1h53
